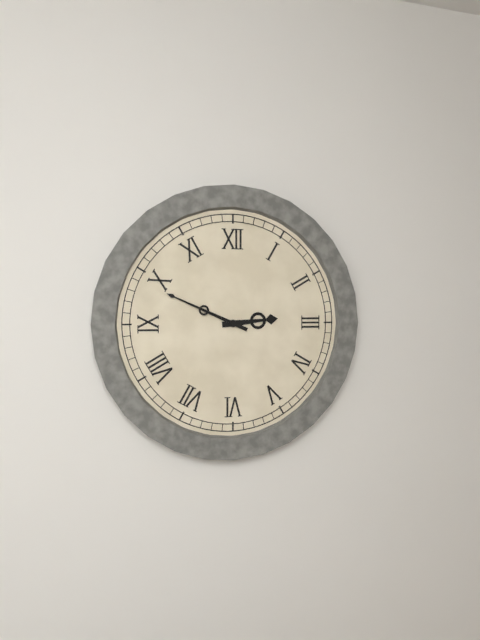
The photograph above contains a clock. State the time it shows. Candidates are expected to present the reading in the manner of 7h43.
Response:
2h49
